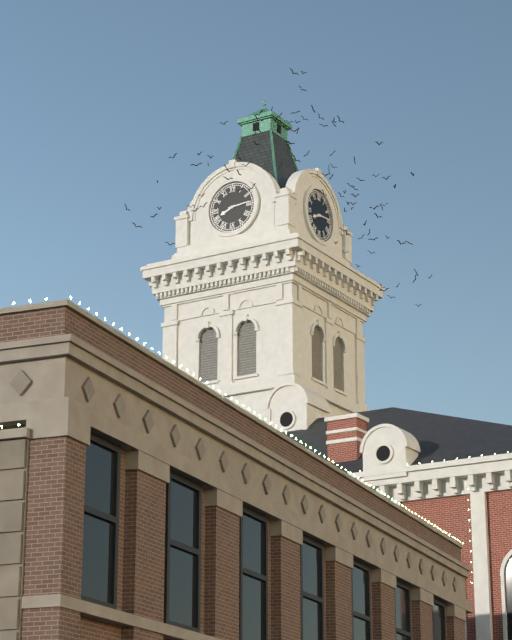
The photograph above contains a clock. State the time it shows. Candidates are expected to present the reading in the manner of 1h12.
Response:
8h14
